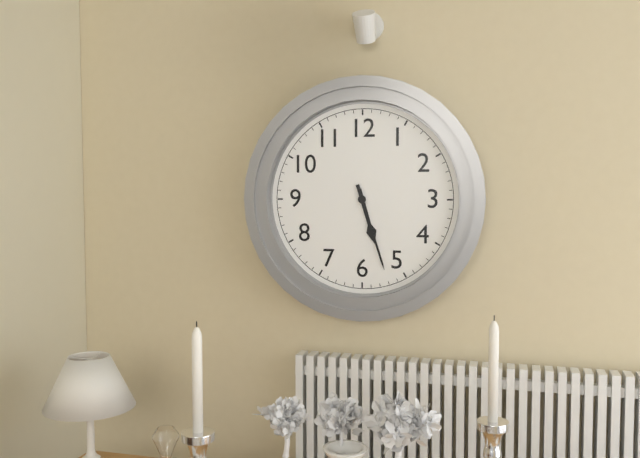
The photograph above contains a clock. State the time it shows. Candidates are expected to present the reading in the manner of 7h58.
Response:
5h27
